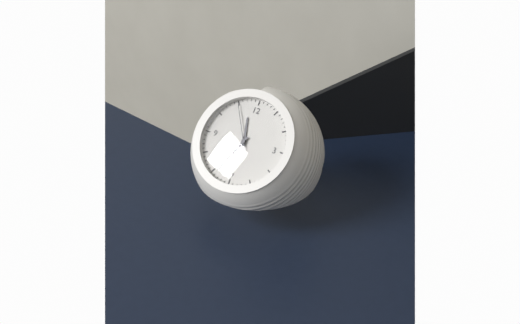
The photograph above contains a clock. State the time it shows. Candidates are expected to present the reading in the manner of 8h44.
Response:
11h34
